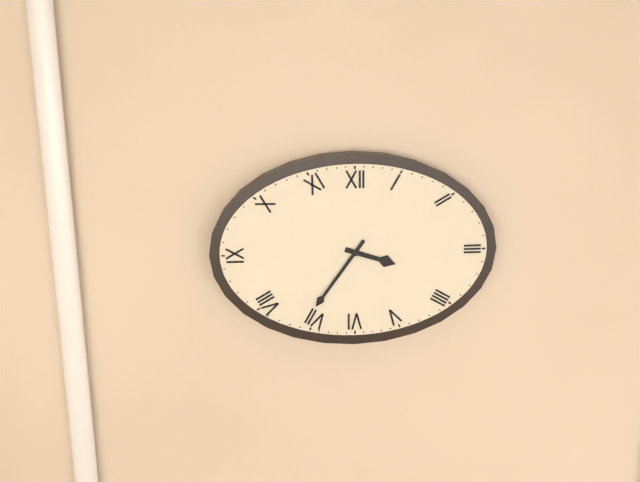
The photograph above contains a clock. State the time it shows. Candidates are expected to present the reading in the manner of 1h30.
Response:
3h36
